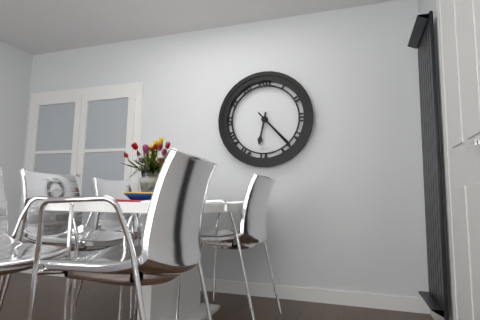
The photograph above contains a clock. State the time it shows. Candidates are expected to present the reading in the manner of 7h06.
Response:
6h23
